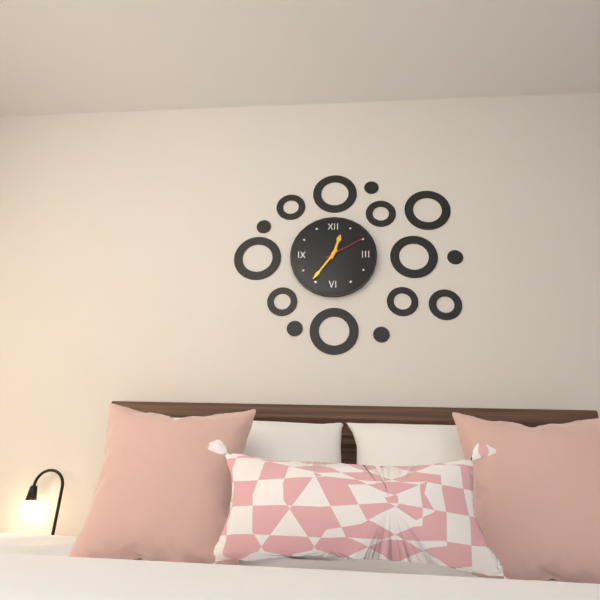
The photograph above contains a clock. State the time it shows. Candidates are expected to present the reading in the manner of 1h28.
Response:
12h36
